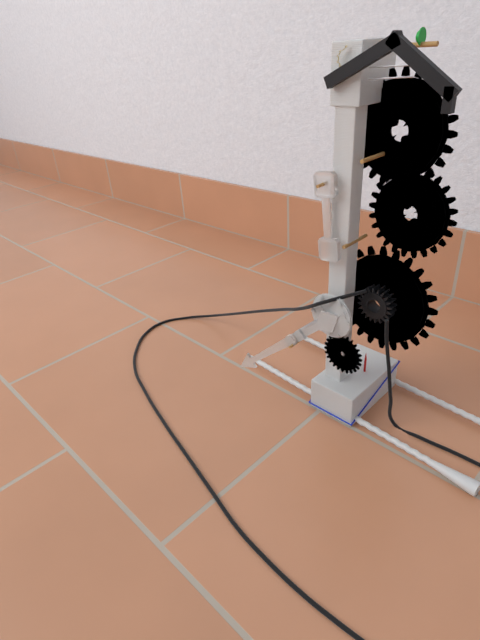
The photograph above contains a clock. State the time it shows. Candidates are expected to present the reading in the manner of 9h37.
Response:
1h38
